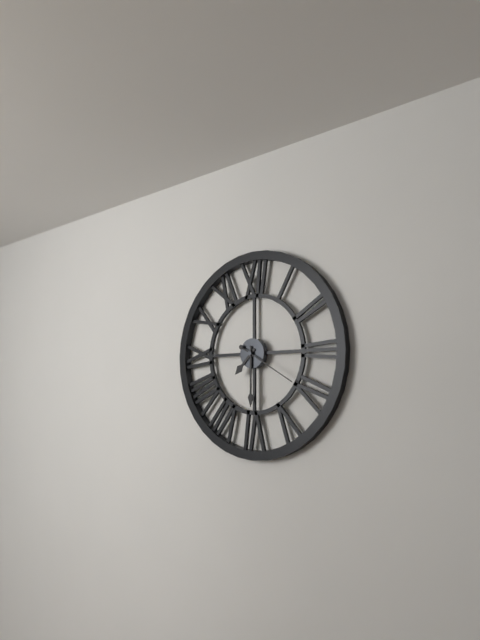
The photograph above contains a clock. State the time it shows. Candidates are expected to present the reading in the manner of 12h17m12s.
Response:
7h30m20s
